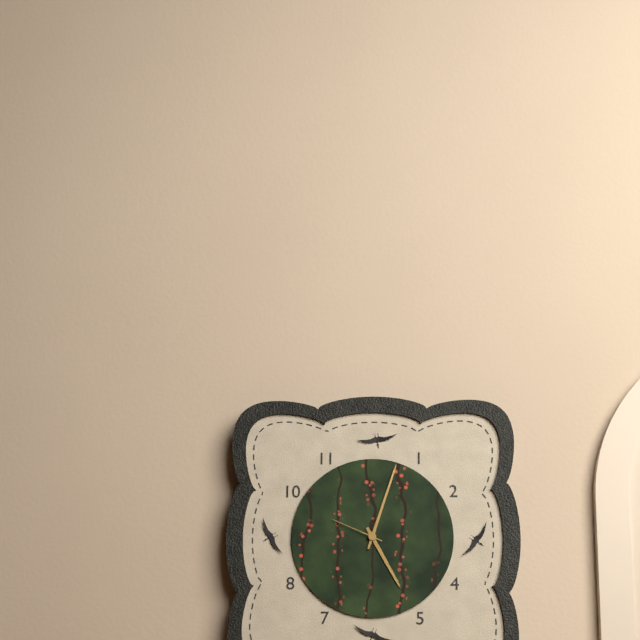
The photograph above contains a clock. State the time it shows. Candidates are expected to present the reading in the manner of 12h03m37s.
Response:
5h03m49s
